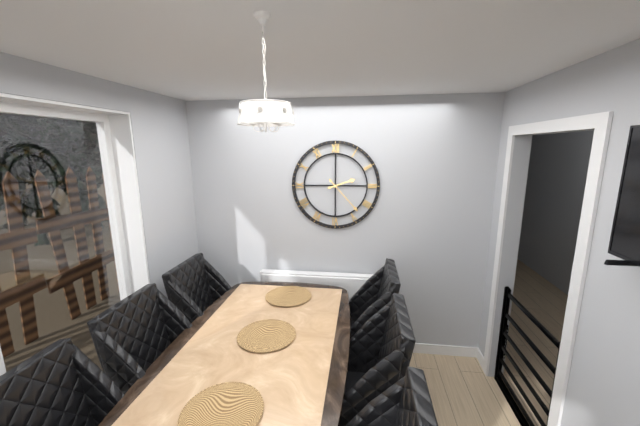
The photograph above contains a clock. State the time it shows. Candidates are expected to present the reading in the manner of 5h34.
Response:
2h23
